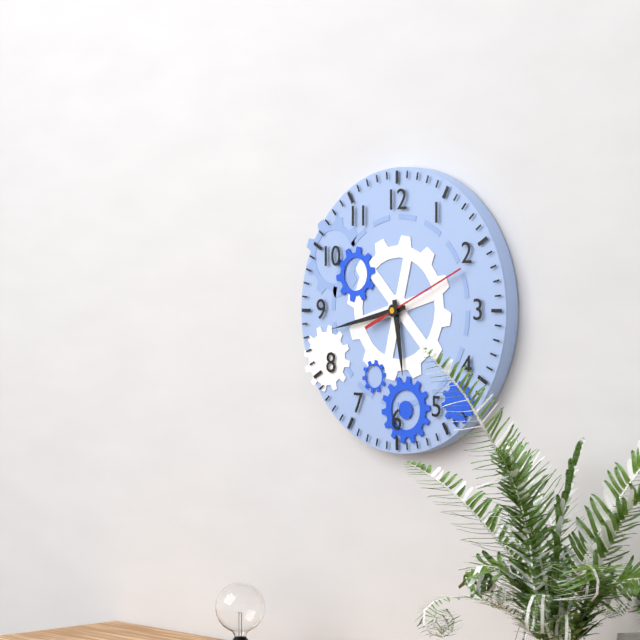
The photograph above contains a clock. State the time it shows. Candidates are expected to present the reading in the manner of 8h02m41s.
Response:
5h43m11s
